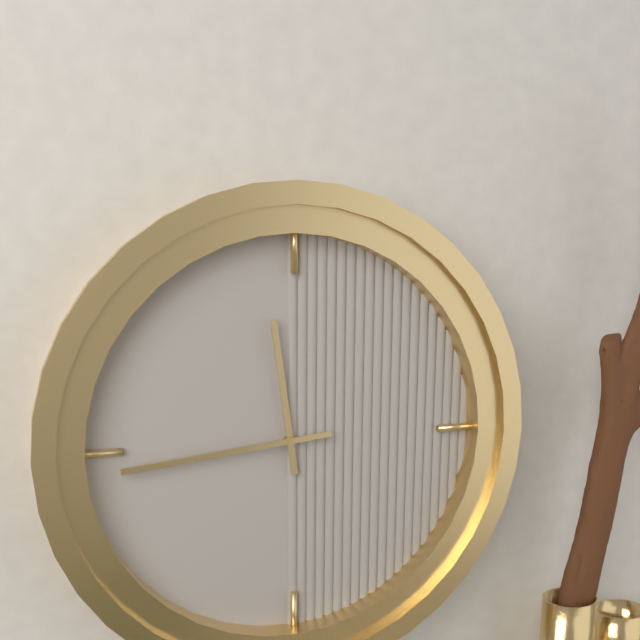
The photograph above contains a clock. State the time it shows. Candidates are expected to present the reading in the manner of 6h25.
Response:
11h44
